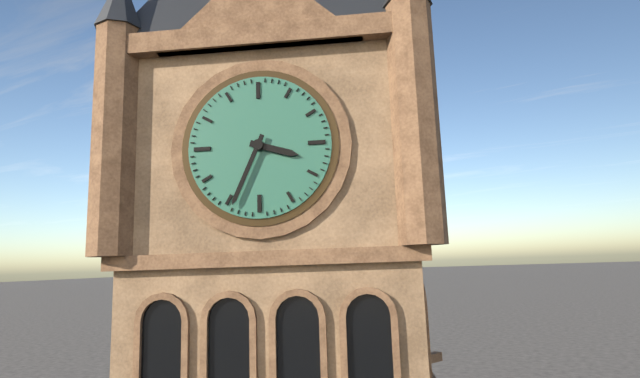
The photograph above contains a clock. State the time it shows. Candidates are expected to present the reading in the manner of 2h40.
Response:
3h34
